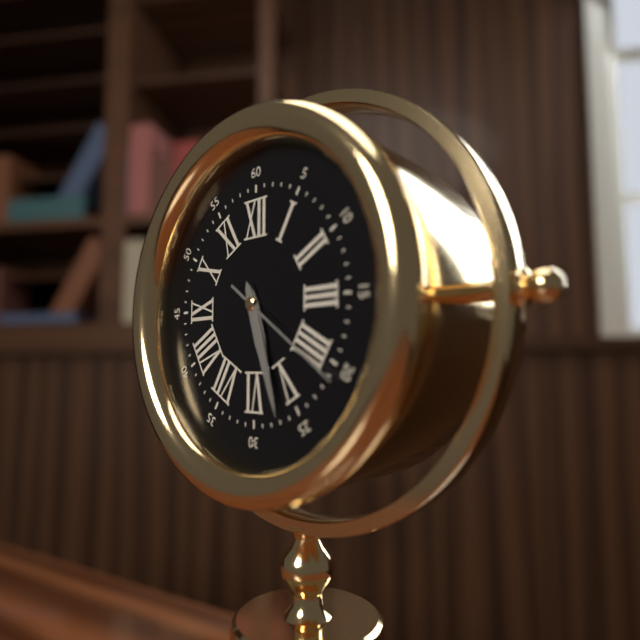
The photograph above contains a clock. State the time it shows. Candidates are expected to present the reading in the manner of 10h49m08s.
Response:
5h27m21s
